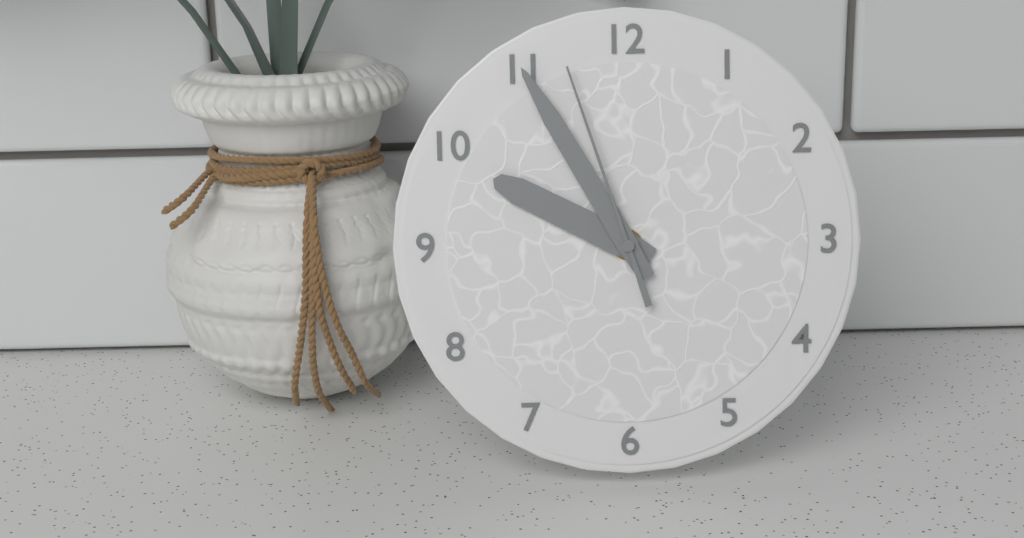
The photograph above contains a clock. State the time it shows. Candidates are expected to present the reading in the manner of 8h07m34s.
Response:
9h55m57s
